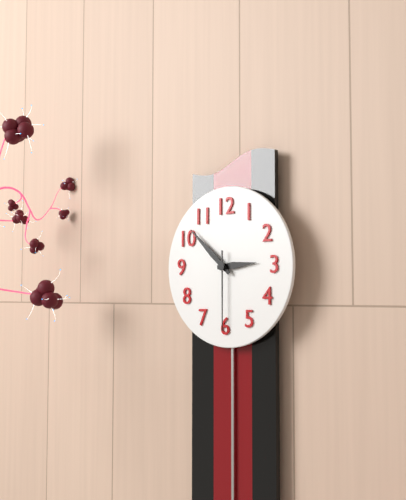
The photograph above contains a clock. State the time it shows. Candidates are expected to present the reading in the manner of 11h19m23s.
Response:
2h52m30s
